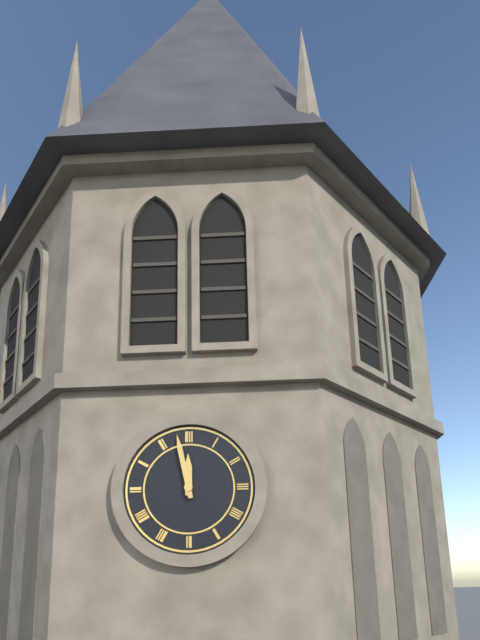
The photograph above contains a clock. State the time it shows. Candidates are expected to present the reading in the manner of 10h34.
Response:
11h58
